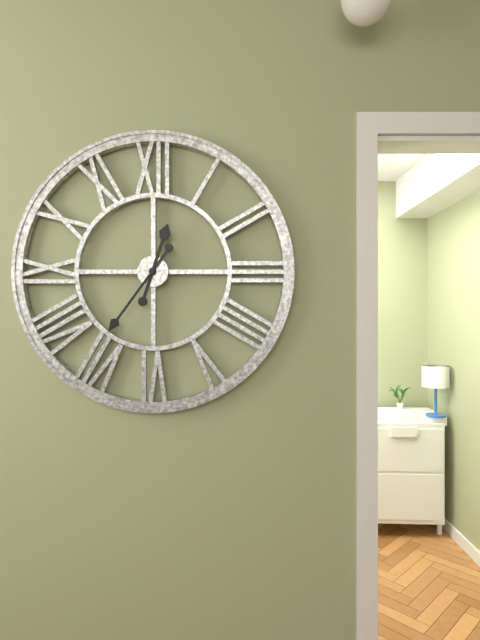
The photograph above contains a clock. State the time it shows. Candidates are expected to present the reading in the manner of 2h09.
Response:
12h36
